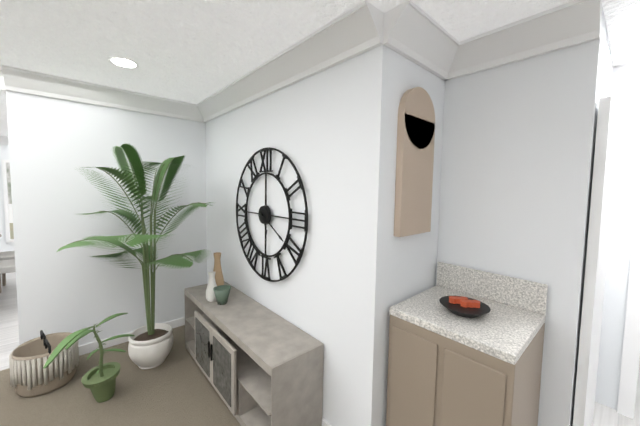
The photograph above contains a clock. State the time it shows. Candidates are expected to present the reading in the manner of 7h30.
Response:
5h20
